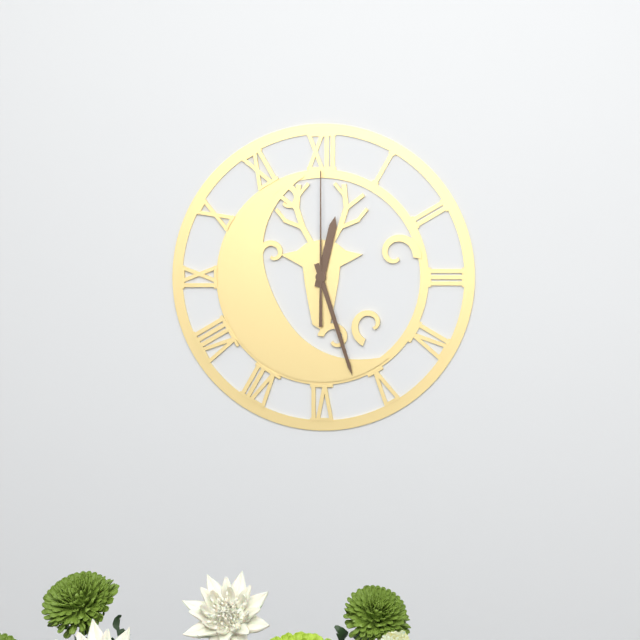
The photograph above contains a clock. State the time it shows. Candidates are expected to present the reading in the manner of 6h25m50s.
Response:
12h27m00s
